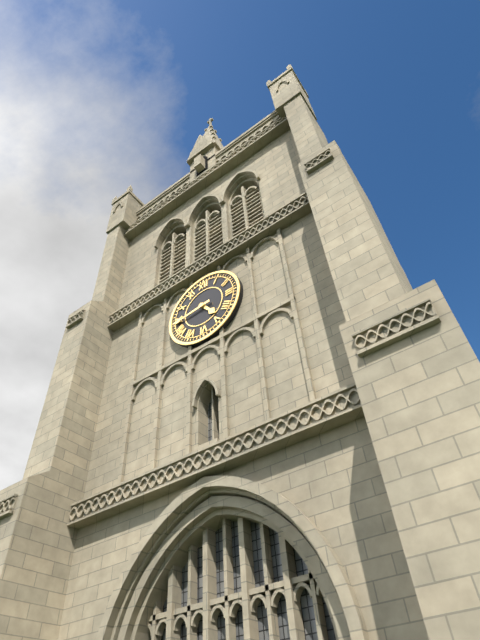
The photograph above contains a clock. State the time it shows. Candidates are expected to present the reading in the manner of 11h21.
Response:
4h44
